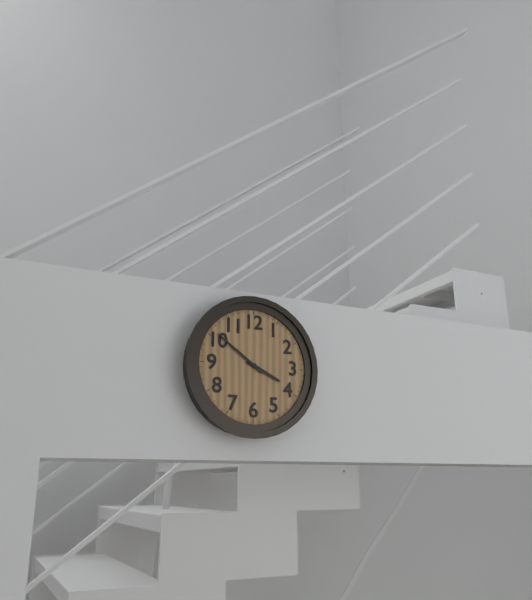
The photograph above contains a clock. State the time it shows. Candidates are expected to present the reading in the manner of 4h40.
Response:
3h51
